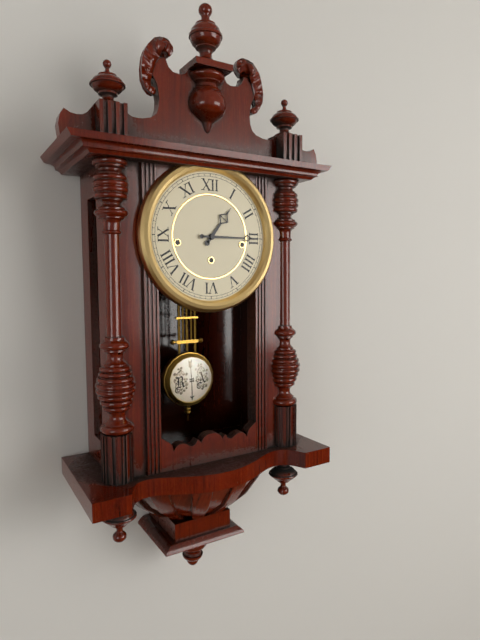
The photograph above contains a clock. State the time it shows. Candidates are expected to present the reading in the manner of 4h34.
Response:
1h15
